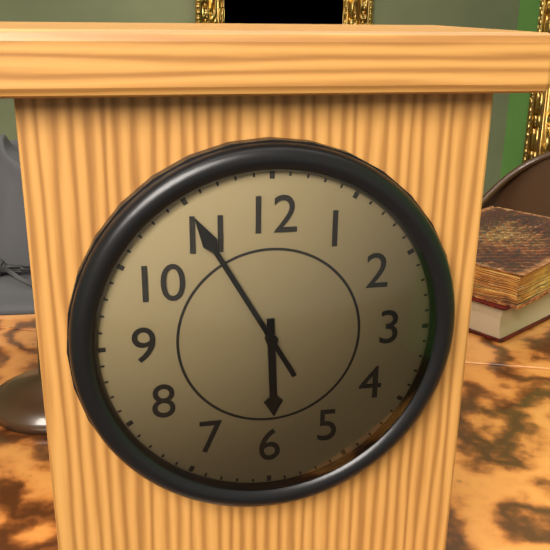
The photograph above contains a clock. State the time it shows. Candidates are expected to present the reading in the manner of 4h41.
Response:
5h55
